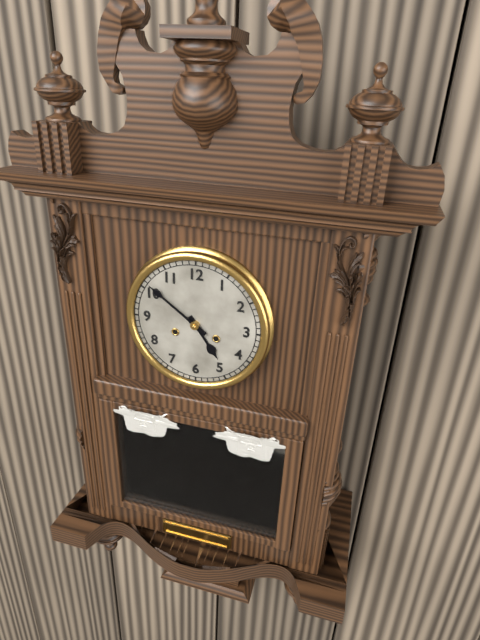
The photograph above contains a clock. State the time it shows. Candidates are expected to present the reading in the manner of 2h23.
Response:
4h51
